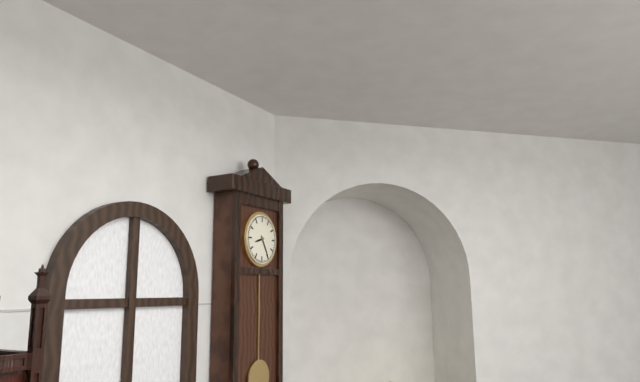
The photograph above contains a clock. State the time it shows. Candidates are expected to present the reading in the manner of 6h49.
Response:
8h25
